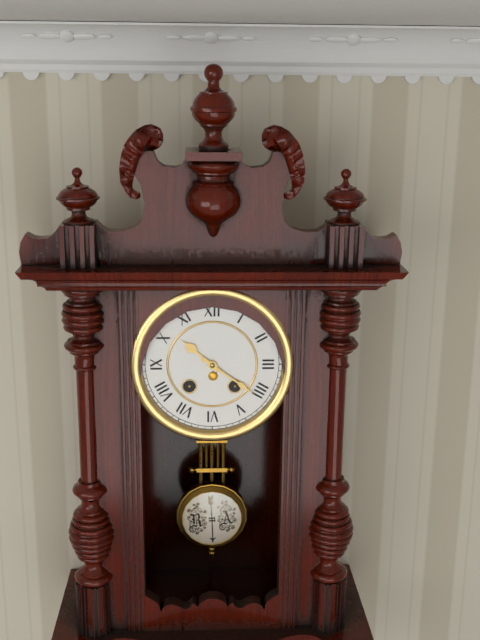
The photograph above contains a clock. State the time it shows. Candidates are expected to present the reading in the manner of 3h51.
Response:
10h21
